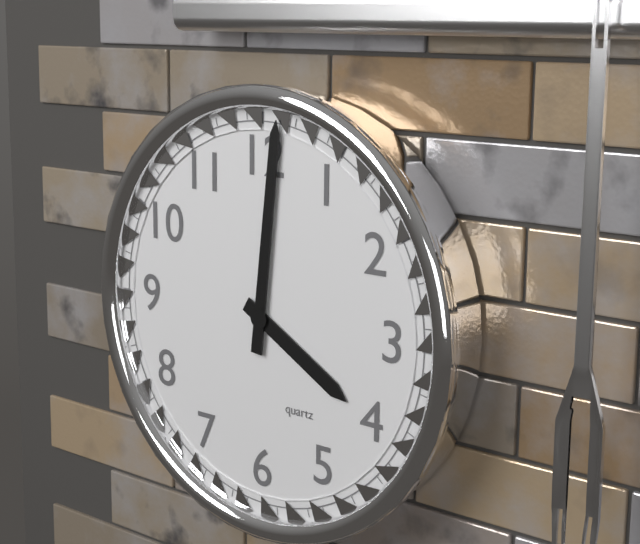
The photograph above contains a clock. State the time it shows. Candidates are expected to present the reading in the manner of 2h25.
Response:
4h01
